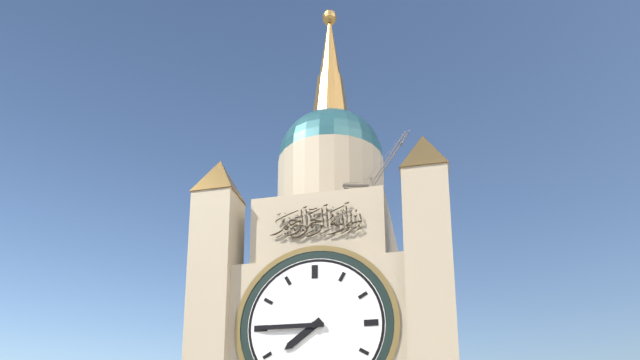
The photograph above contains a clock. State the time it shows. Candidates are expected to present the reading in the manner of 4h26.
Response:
7h45
